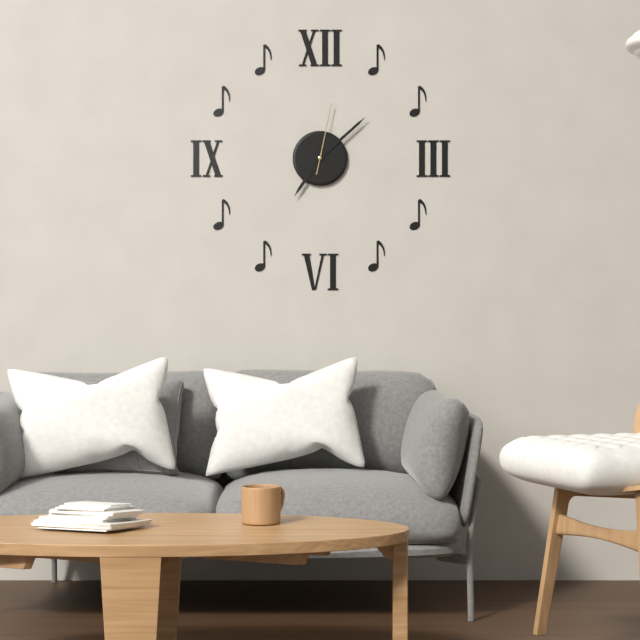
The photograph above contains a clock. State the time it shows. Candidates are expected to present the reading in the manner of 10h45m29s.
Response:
7h08m02s
